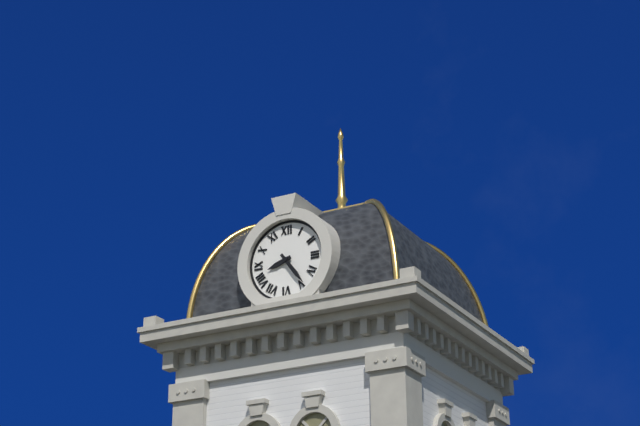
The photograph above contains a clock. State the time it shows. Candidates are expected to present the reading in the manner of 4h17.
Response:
8h24
